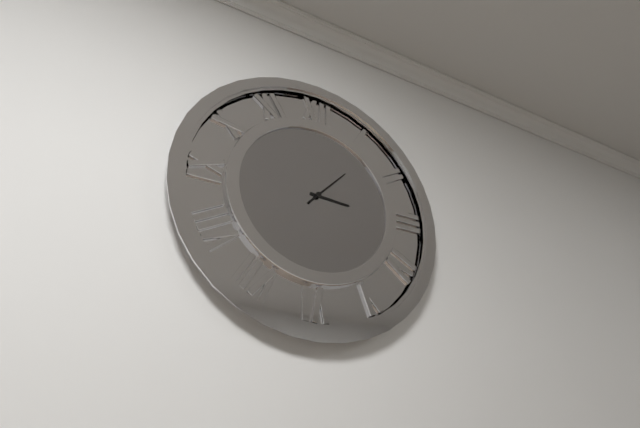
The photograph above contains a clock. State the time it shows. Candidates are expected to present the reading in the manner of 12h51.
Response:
3h07
